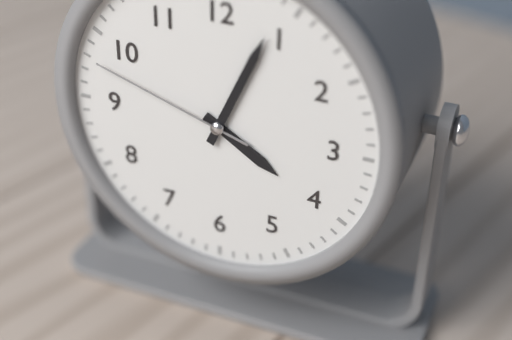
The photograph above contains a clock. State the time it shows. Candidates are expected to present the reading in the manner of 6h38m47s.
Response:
4h04m48s
